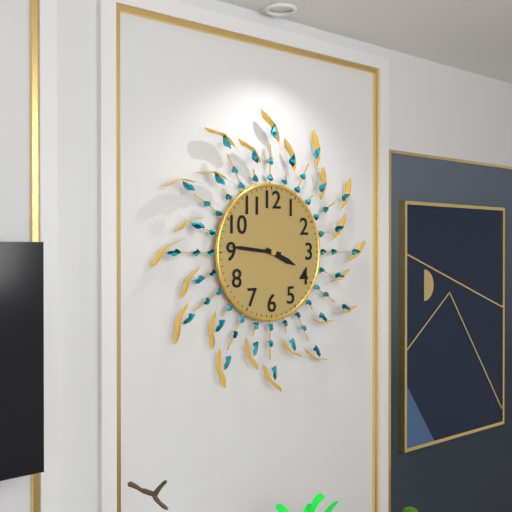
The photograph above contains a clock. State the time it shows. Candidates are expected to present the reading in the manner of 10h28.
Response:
3h46
